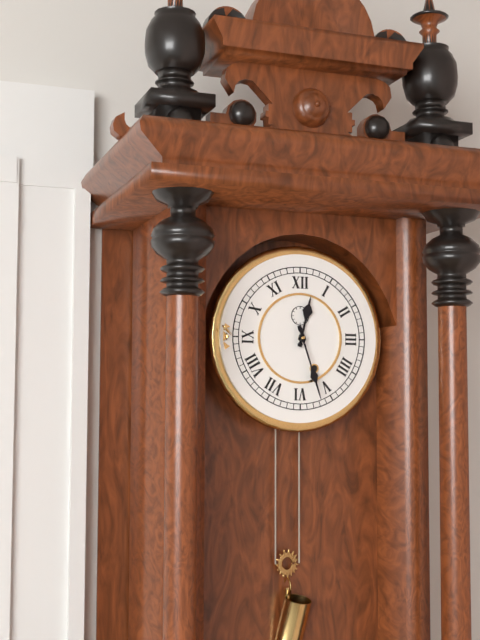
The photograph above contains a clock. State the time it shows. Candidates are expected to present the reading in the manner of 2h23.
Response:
12h27
